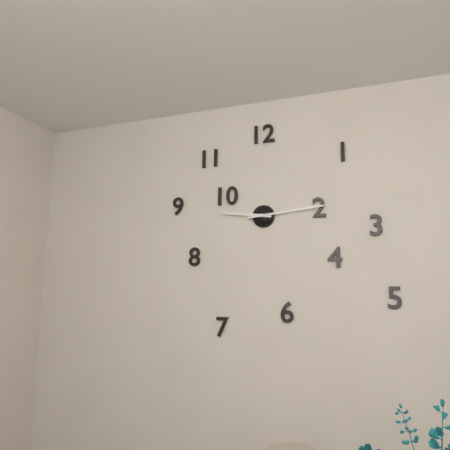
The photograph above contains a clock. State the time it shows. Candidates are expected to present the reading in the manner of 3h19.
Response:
9h14
